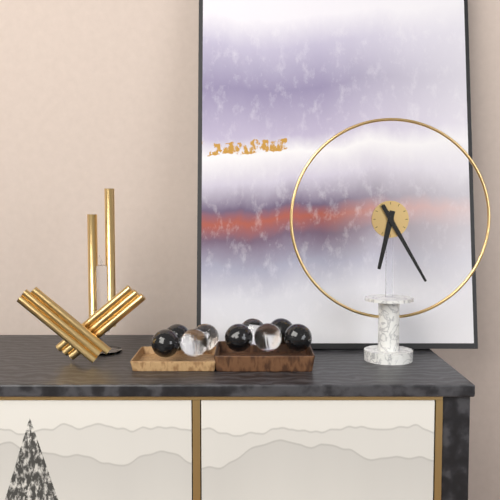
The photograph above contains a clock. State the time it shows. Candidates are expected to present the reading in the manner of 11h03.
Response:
6h25
